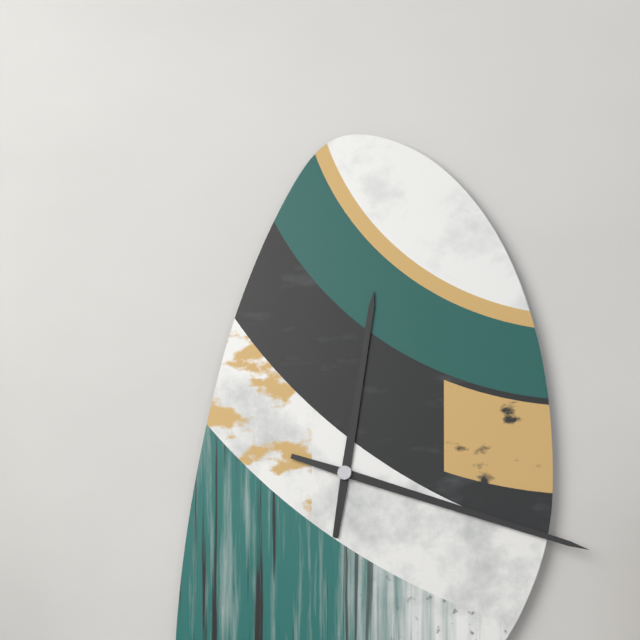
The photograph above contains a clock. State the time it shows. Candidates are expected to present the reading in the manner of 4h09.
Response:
12h18
